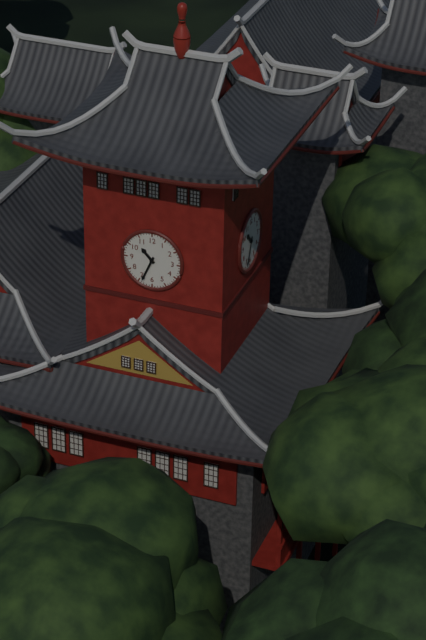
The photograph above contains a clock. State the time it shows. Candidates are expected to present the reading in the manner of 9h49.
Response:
10h34
